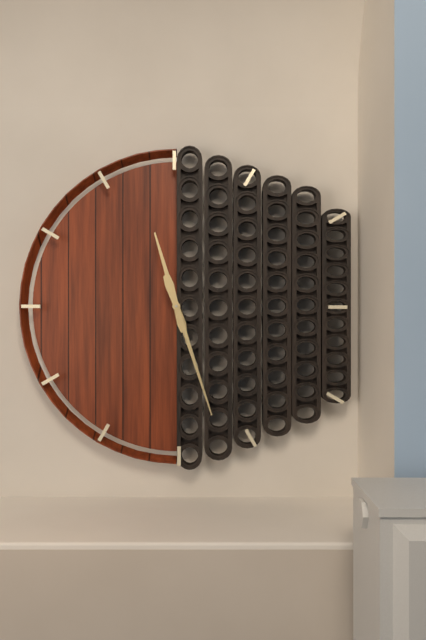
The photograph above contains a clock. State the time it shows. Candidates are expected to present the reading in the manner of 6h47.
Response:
11h27
